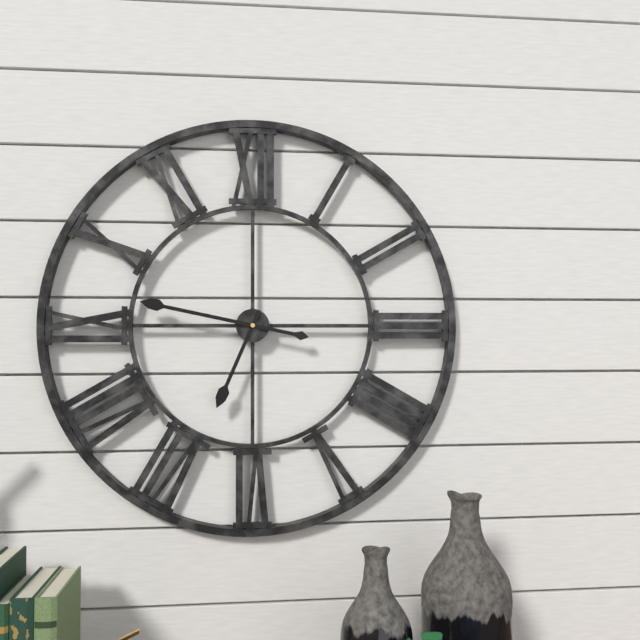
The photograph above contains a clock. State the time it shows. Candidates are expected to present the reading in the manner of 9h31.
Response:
6h47
